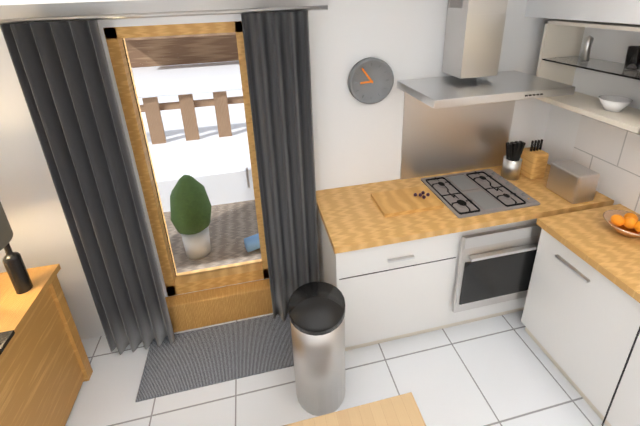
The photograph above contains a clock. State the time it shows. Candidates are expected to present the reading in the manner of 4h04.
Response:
8h54
